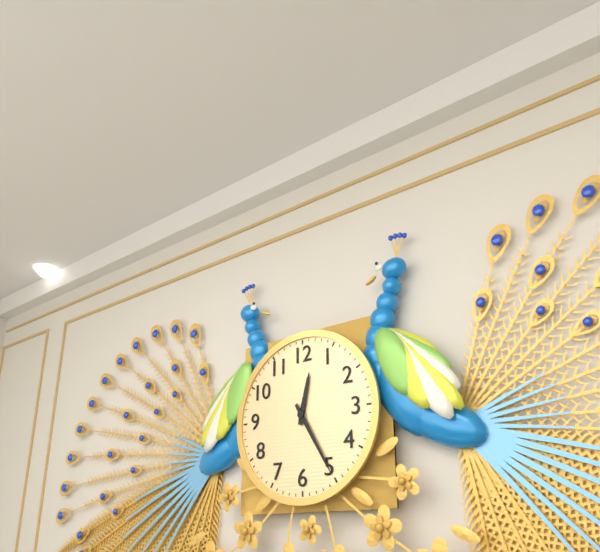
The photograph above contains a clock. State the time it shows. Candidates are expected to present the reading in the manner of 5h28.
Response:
12h25
